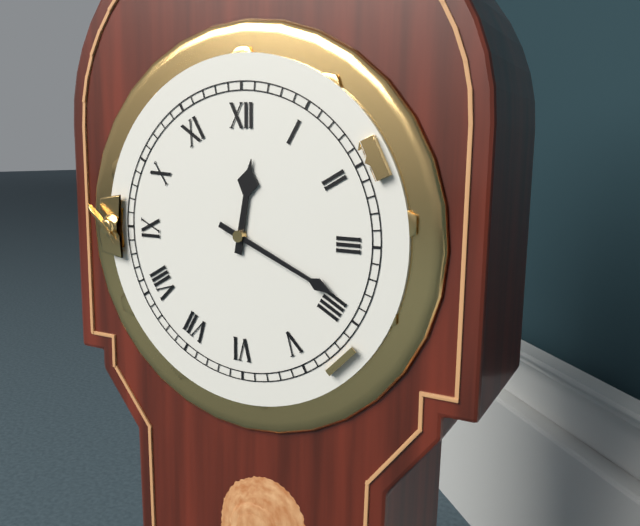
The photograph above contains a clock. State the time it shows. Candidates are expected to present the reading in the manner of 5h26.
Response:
12h19
